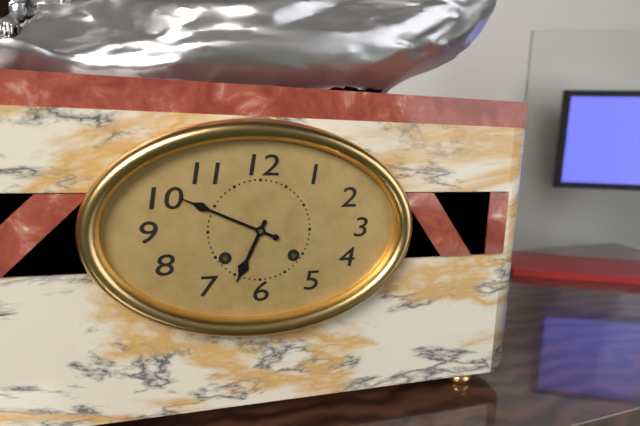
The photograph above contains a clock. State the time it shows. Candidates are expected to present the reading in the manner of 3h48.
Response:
6h49
